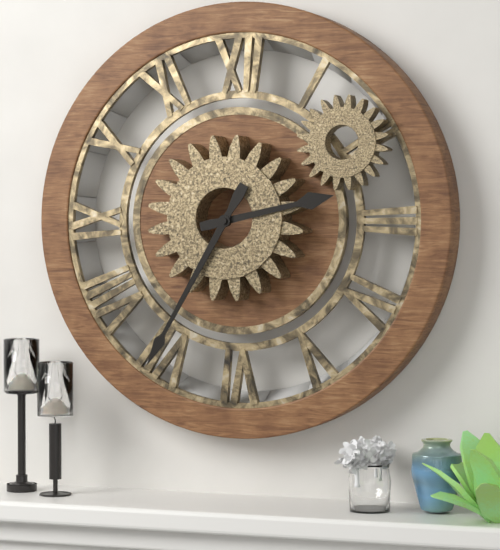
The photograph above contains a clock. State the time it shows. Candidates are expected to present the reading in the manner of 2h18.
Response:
2h35
